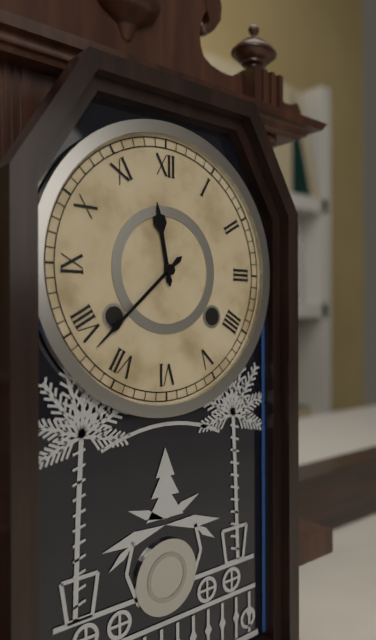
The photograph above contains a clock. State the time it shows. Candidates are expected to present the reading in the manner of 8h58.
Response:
11h38
